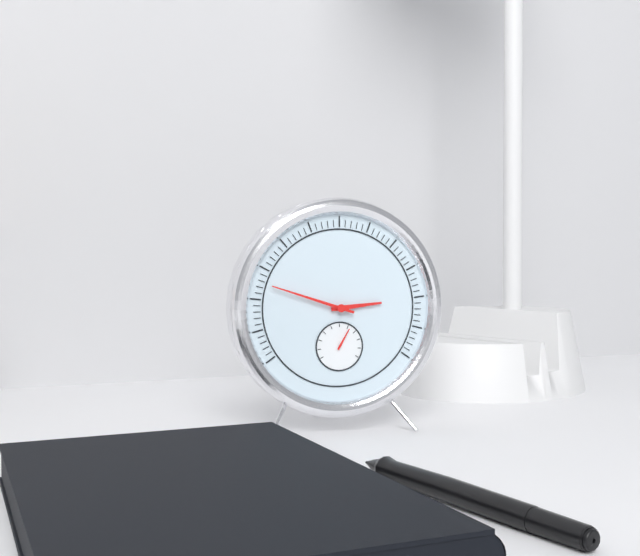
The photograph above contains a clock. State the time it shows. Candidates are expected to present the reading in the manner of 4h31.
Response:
2h48
